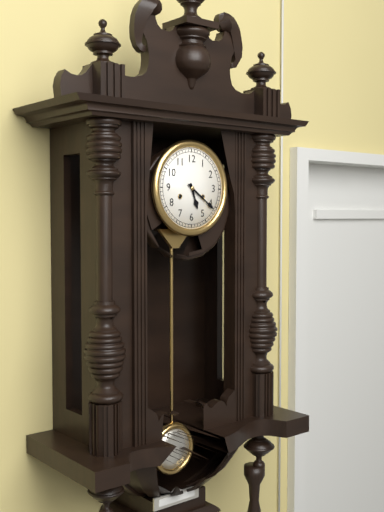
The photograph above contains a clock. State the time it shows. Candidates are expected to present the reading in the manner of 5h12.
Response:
5h21
